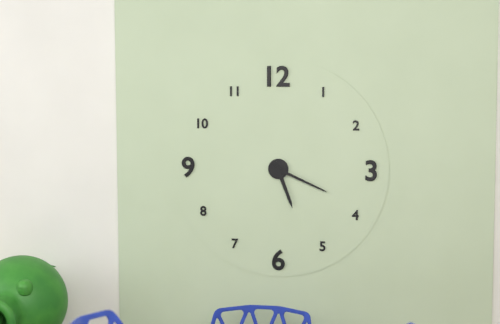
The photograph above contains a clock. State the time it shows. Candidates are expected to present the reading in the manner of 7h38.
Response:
5h19
